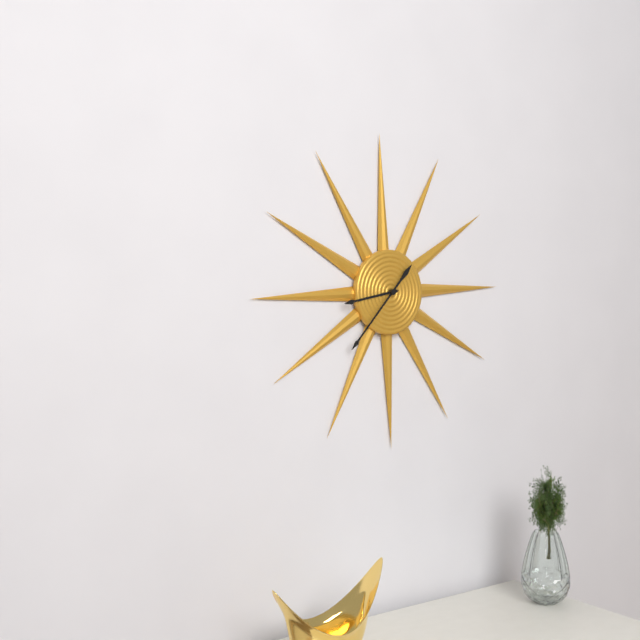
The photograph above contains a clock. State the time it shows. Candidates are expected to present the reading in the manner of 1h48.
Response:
8h37
